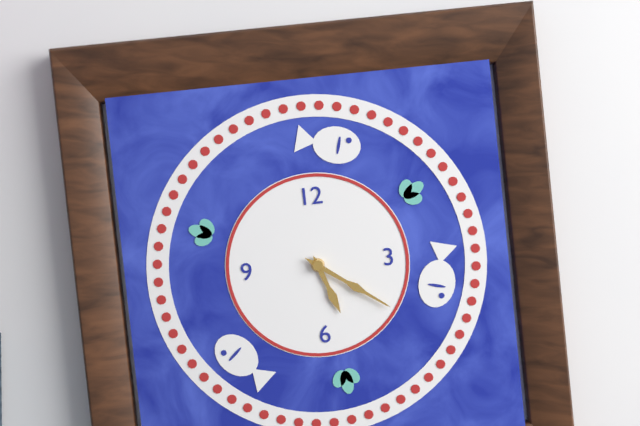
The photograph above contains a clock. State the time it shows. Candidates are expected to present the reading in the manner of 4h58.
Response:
5h21
